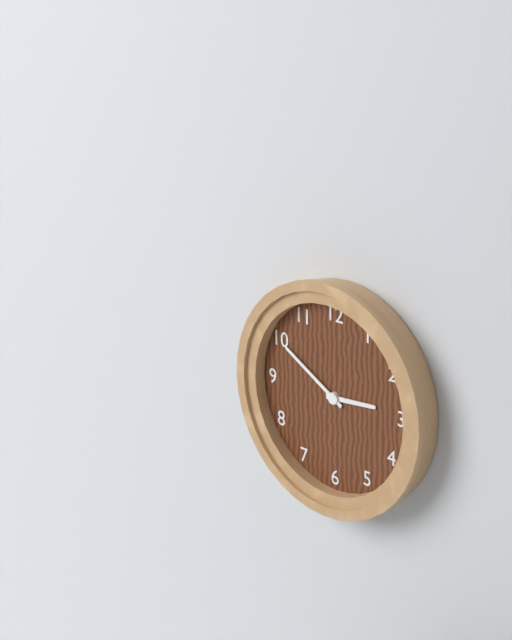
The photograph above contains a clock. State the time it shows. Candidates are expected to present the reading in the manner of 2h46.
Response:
2h50
